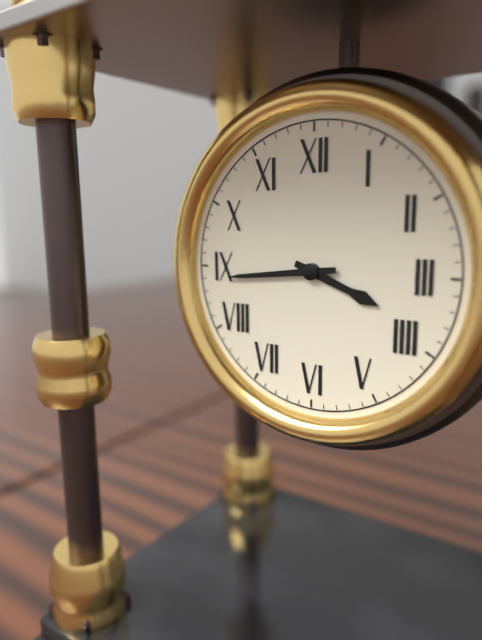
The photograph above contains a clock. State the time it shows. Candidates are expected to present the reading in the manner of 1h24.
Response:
3h44
